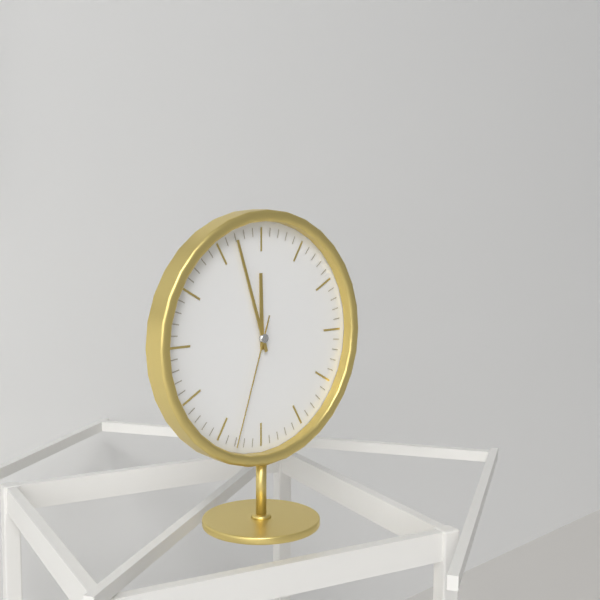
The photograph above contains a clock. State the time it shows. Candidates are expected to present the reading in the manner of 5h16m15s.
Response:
11h57m33s
